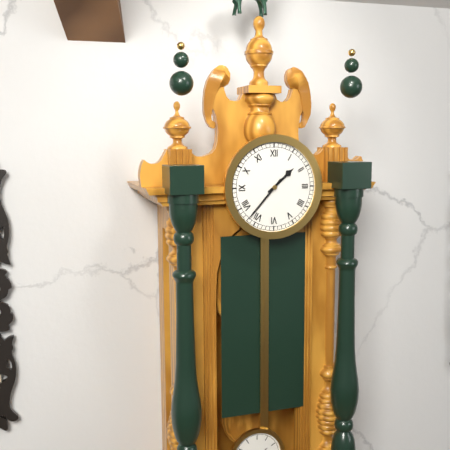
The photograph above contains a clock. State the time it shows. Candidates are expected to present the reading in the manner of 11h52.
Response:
1h37
